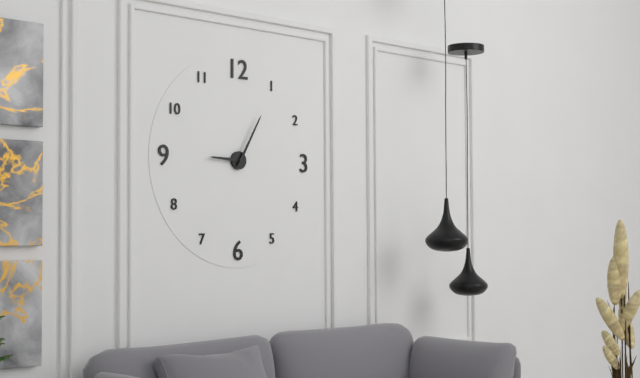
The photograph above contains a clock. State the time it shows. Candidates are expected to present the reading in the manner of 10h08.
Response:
9h05
